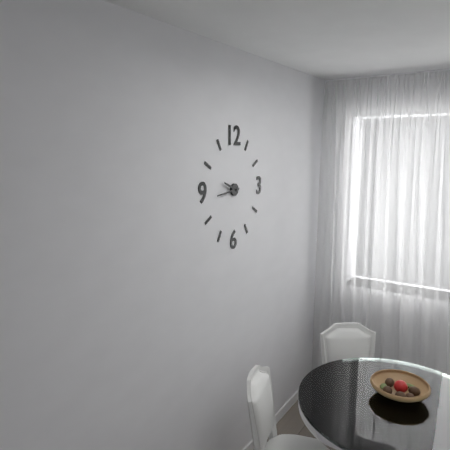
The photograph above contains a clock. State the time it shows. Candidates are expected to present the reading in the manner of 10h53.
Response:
9h44
